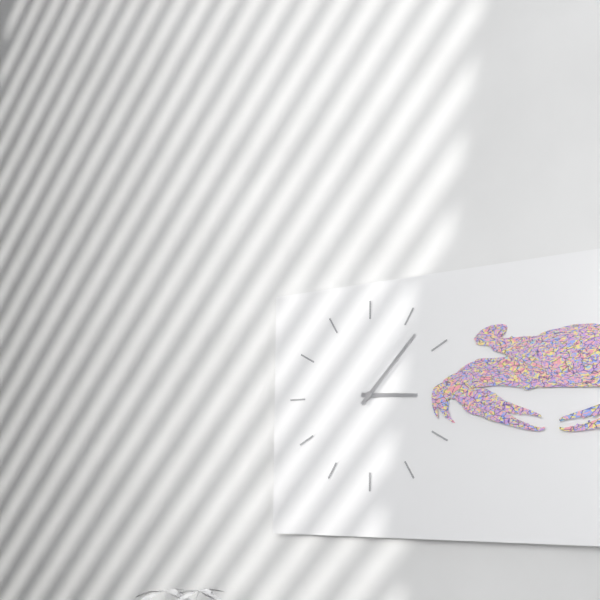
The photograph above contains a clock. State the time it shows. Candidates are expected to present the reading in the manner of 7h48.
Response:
3h07
